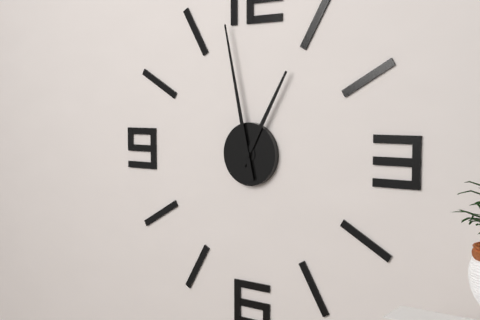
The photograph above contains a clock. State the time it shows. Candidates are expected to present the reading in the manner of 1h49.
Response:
12h58
